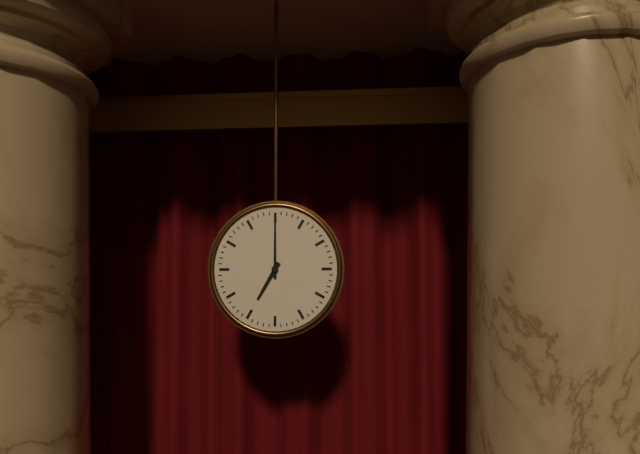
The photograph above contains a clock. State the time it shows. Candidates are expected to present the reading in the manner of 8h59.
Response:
7h00
